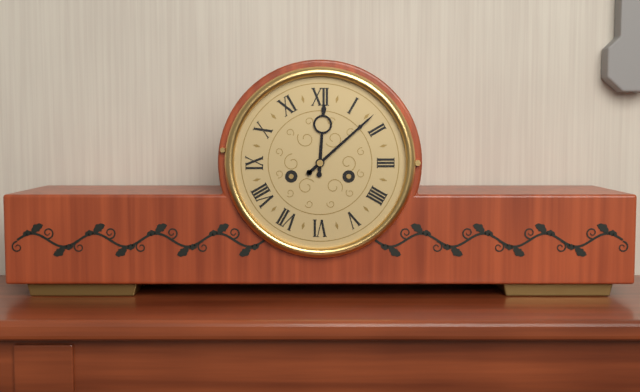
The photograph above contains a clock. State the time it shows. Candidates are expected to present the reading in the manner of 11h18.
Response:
12h08
